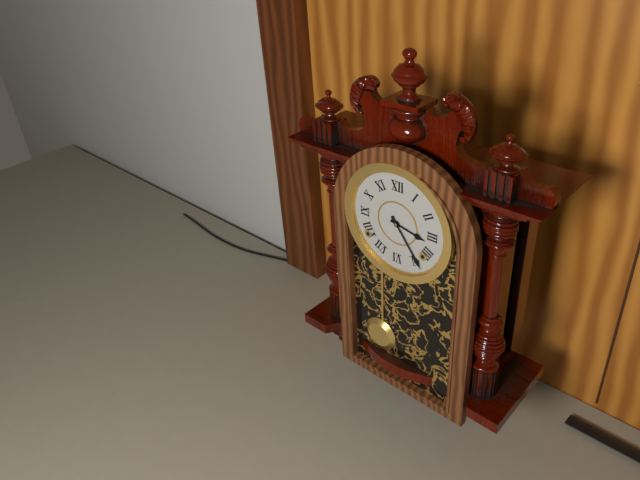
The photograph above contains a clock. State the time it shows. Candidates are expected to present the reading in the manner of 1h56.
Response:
3h24
